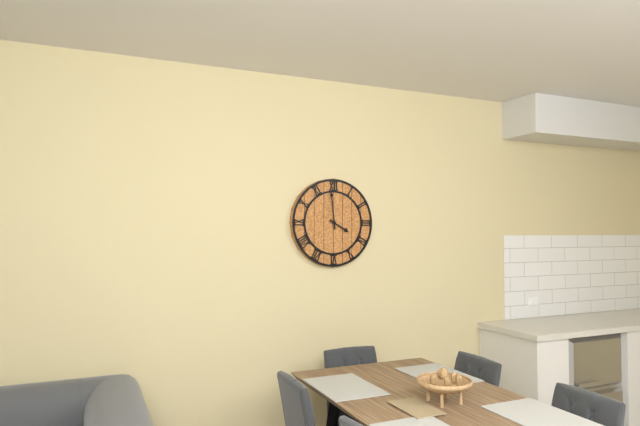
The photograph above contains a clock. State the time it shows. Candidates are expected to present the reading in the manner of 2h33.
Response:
3h59
